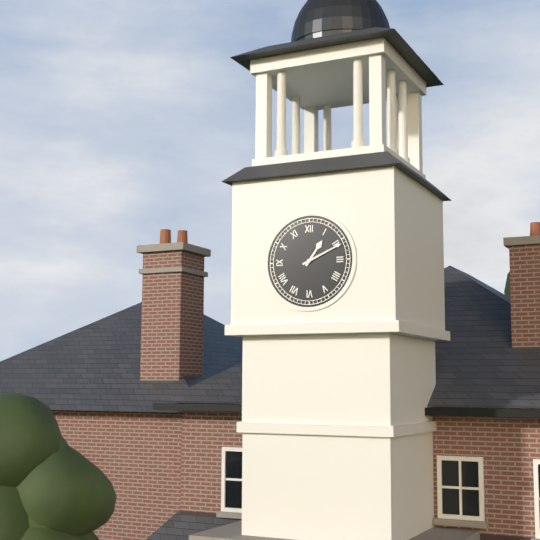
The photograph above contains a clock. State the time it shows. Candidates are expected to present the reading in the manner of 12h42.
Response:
1h11
